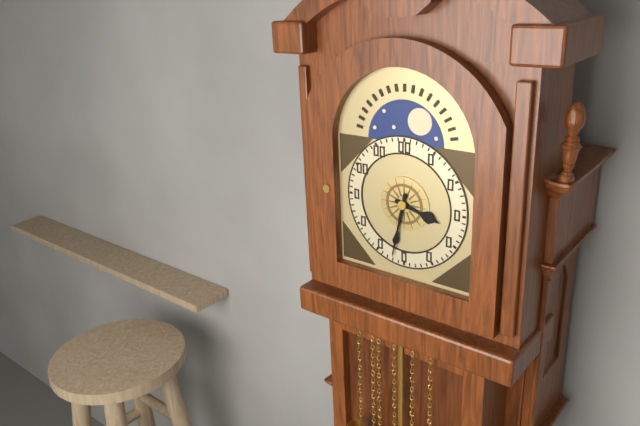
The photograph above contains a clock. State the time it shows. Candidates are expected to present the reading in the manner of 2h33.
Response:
3h32
